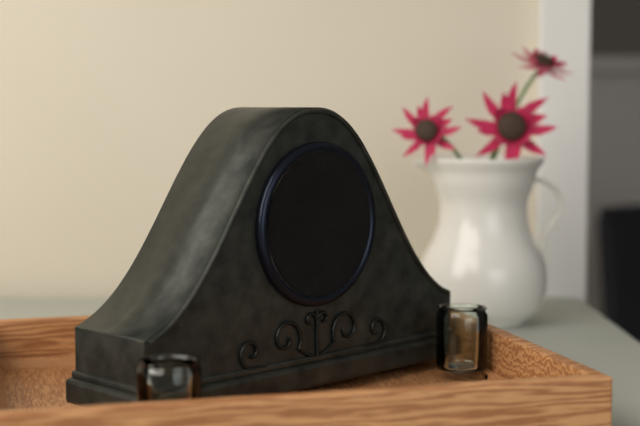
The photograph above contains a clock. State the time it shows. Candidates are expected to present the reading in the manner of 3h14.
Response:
10h34
